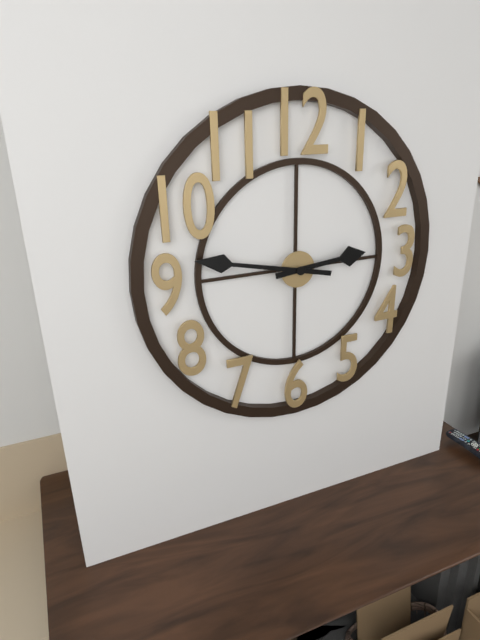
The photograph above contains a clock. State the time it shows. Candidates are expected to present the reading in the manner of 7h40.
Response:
2h47
